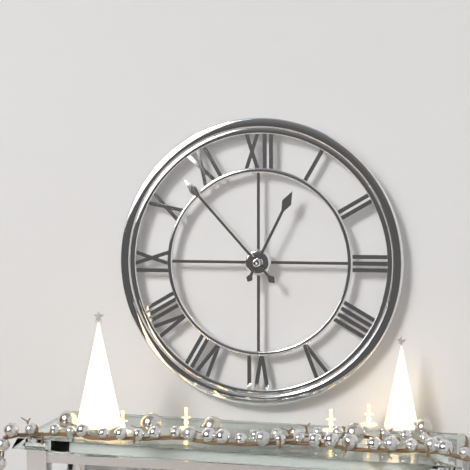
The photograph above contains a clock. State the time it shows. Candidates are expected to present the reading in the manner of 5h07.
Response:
12h53
